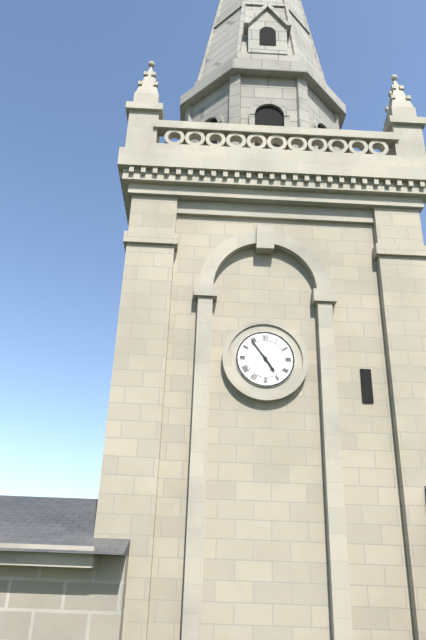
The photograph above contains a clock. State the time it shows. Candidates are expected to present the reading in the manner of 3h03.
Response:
4h54
